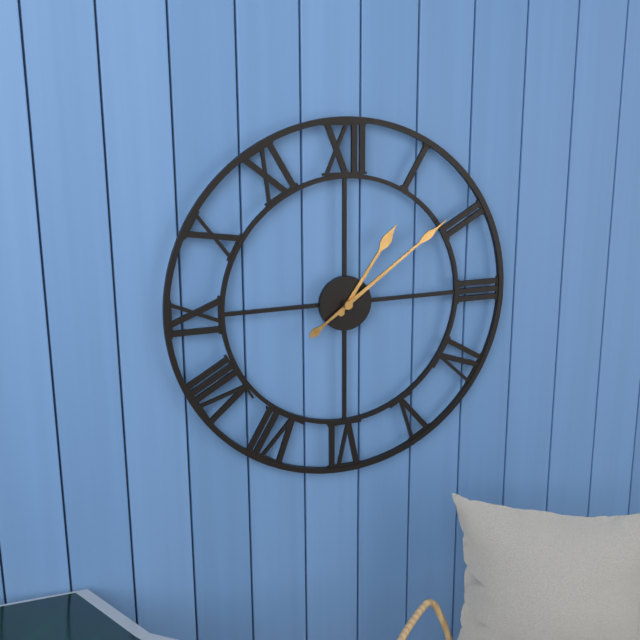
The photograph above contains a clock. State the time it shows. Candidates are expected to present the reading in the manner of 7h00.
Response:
1h09
